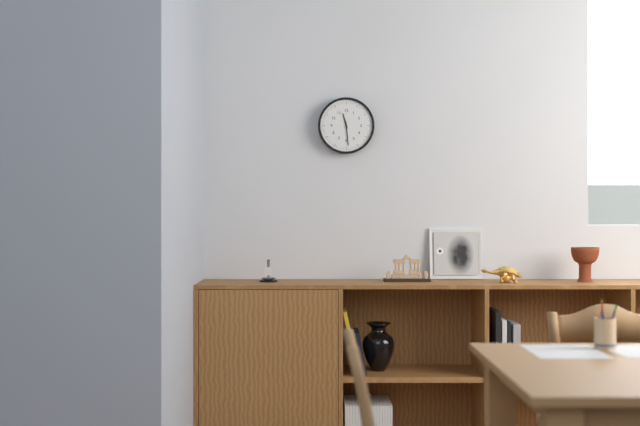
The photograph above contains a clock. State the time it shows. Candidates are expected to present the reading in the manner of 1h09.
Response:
11h29
